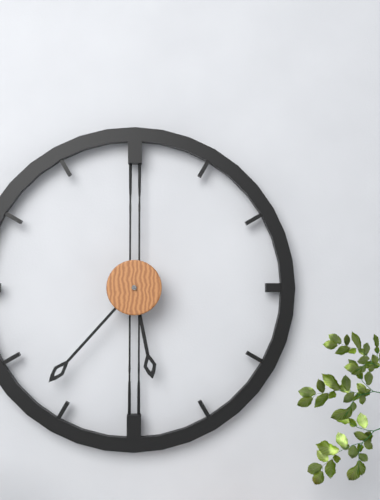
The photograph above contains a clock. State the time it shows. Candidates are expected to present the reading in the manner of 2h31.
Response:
5h37
